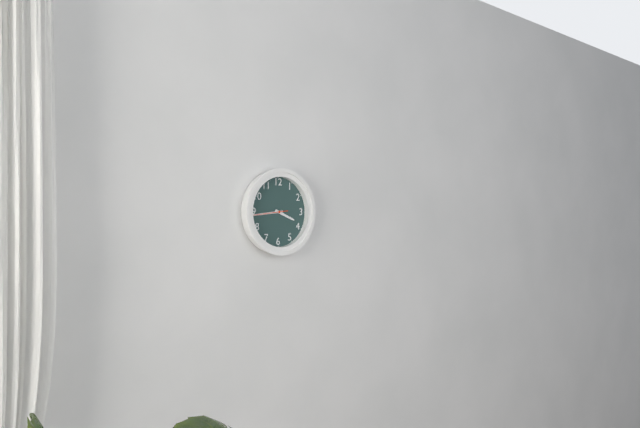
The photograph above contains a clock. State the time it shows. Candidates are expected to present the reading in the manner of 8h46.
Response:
3h44
